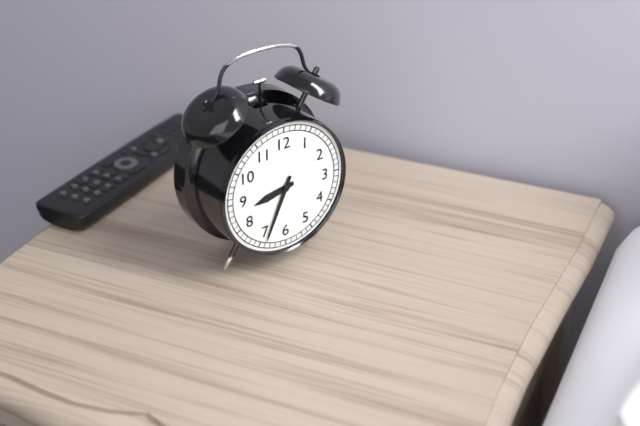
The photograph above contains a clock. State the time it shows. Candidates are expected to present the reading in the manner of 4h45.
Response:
8h34
